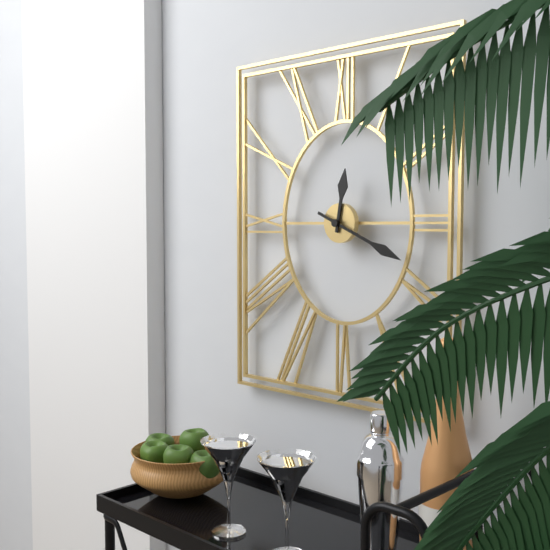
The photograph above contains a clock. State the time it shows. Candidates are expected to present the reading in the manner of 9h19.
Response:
12h19
